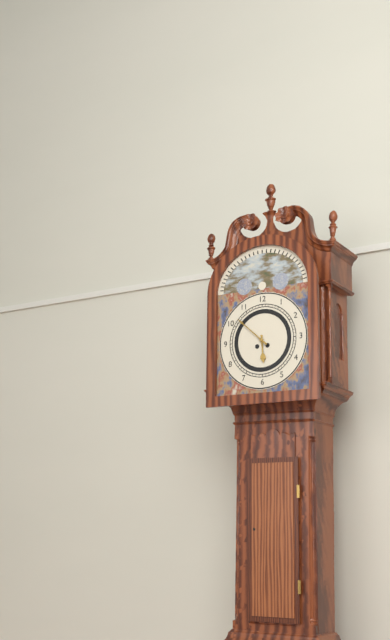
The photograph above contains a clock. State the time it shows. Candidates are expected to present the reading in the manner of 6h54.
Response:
5h52
